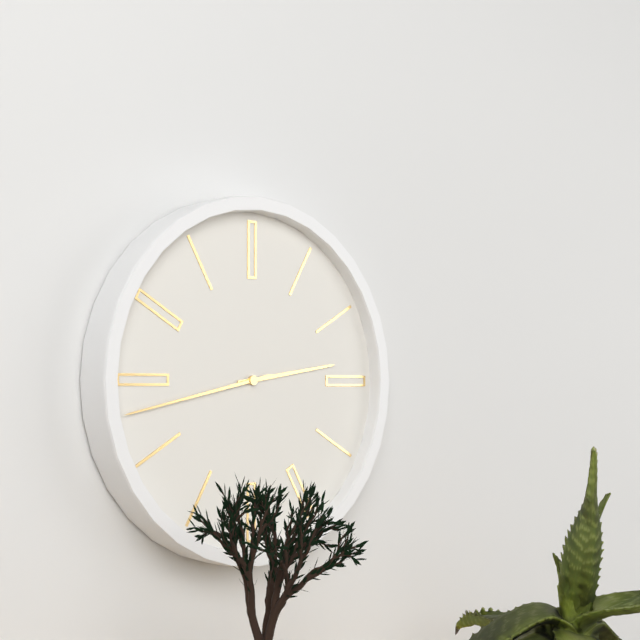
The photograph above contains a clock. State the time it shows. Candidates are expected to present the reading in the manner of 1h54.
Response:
2h43
